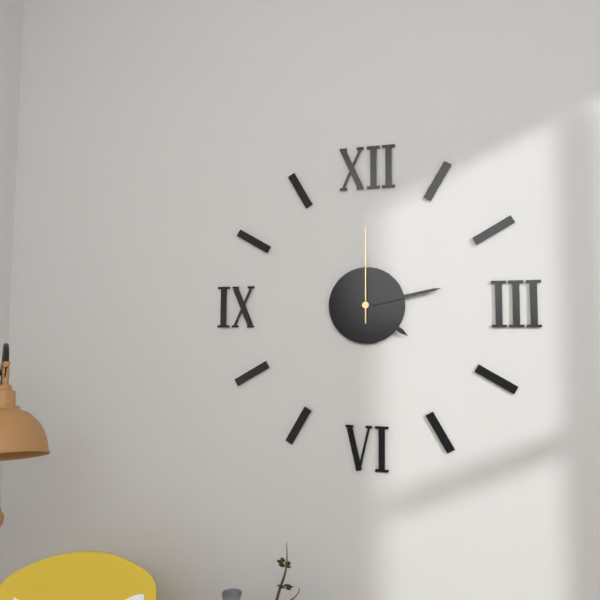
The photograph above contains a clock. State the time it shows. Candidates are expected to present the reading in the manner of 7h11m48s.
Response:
4h13m00s
